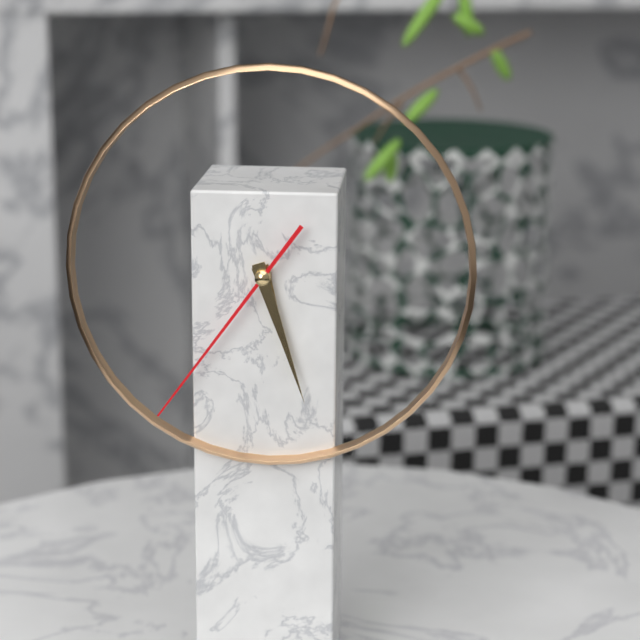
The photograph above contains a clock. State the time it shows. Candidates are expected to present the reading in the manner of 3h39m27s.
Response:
5h27m36s
